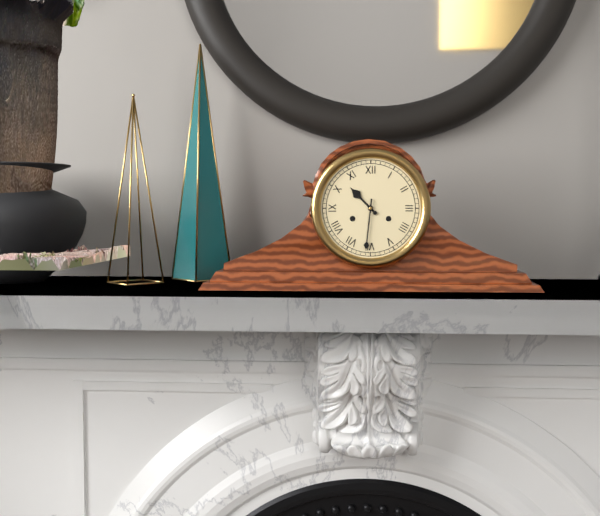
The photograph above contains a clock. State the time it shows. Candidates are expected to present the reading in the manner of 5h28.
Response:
10h31
